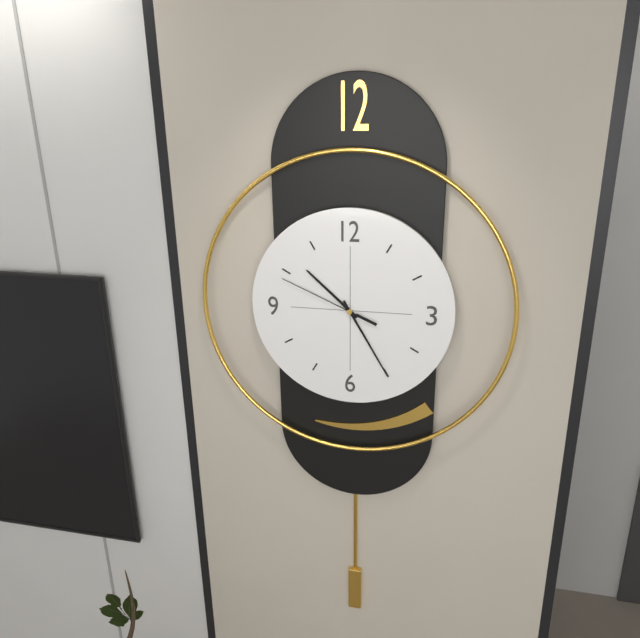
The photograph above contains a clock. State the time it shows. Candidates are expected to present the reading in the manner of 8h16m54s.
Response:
10h25m49s
